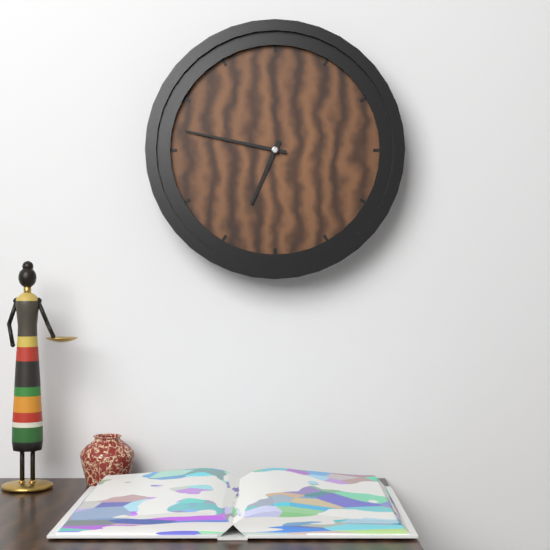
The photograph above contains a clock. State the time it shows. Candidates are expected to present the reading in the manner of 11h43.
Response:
6h47
